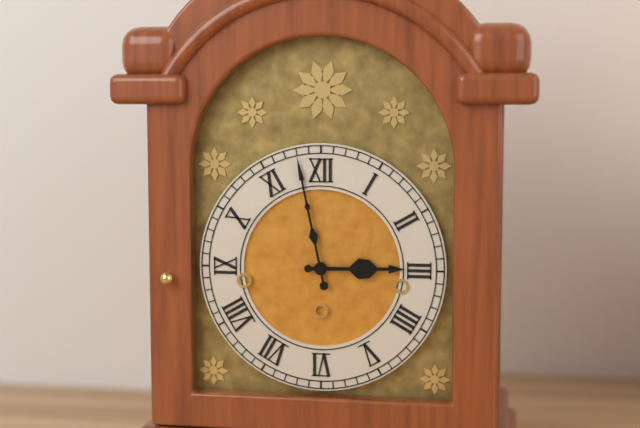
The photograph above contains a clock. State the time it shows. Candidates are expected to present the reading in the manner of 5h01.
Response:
2h58
